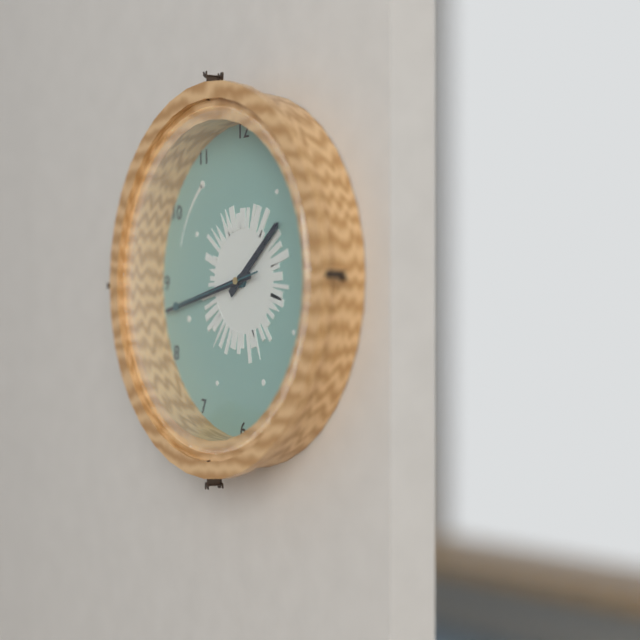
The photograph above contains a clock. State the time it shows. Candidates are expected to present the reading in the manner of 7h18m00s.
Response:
1h43m43s
